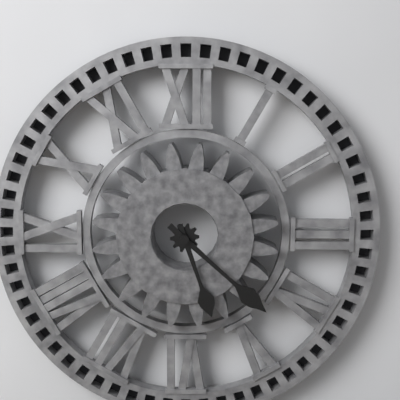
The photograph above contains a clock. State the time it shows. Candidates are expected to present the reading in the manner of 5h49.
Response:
5h22
